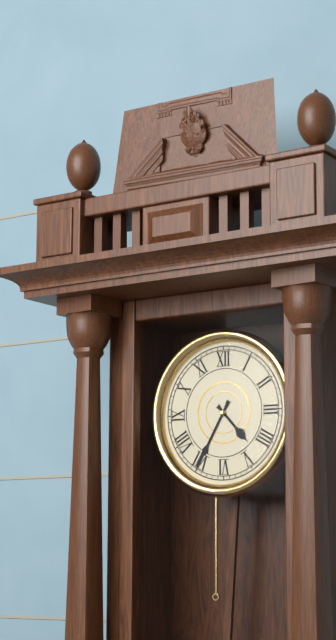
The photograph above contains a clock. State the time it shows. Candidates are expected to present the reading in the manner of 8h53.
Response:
4h35
